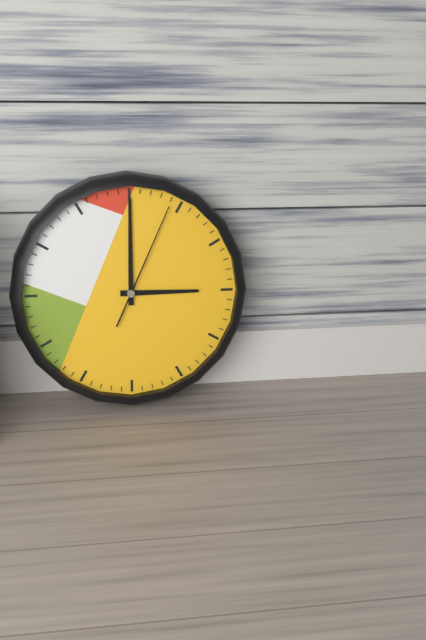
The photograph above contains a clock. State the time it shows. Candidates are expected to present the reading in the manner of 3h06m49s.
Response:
3h00m04s
